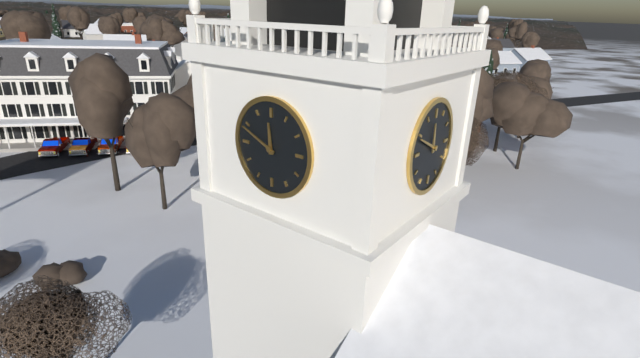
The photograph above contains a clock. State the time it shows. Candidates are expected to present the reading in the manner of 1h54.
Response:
11h49
